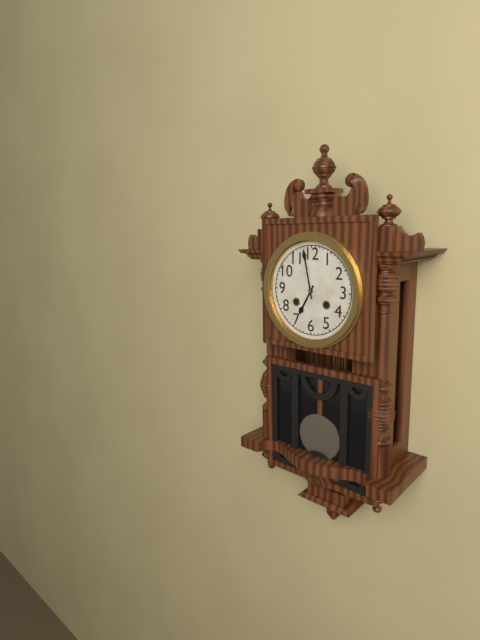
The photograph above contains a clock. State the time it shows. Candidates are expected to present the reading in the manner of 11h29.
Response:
6h58
